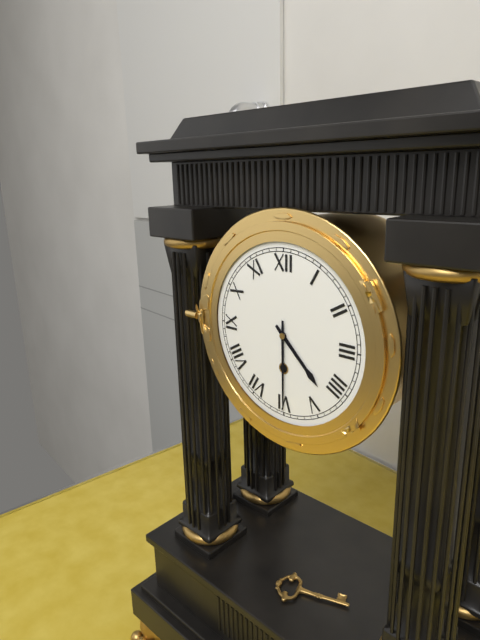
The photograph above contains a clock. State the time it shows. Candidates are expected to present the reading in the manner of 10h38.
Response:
4h30
